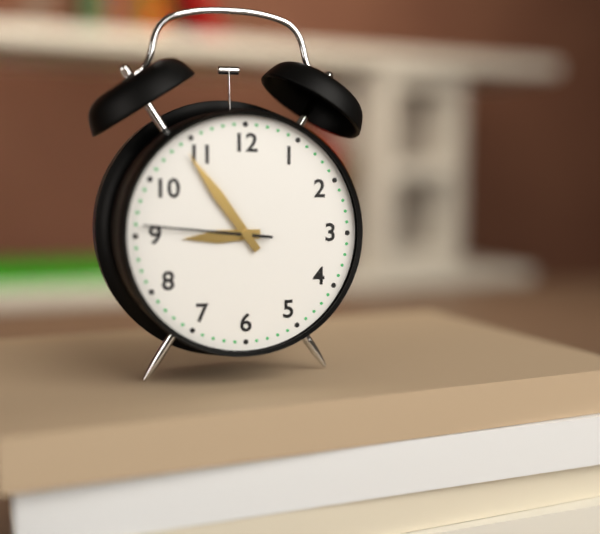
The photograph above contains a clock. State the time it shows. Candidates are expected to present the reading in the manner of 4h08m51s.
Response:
8h54m46s
